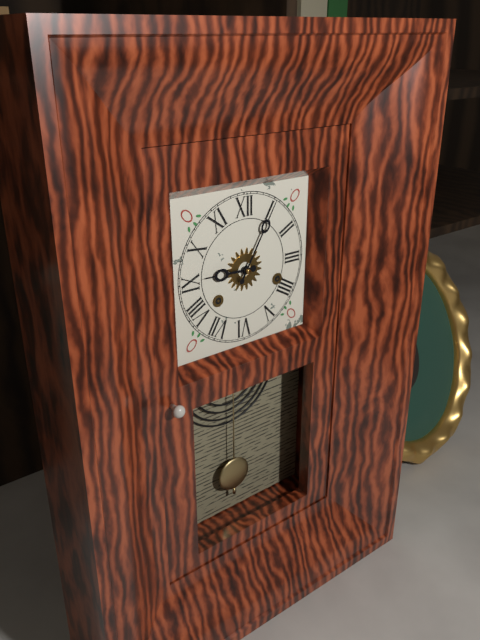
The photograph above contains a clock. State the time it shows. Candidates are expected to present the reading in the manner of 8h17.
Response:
9h05
